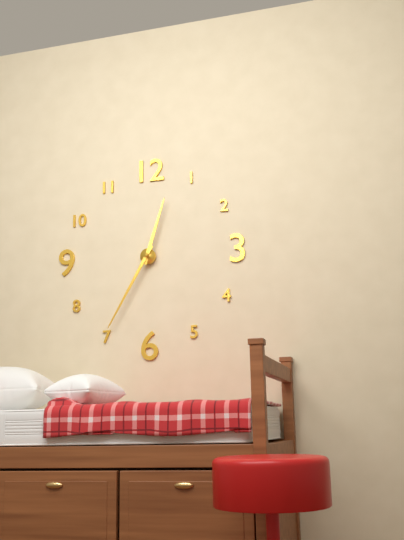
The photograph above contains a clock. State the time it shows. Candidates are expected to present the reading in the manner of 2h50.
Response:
12h35
